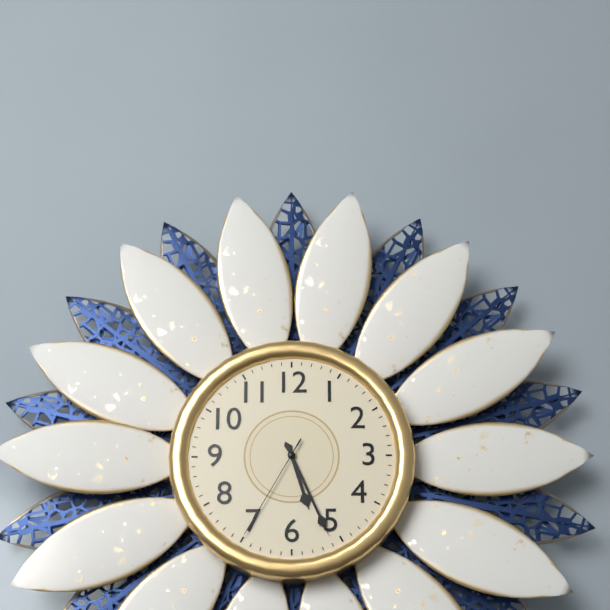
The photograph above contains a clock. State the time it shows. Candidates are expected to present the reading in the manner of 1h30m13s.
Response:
5h26m35s
